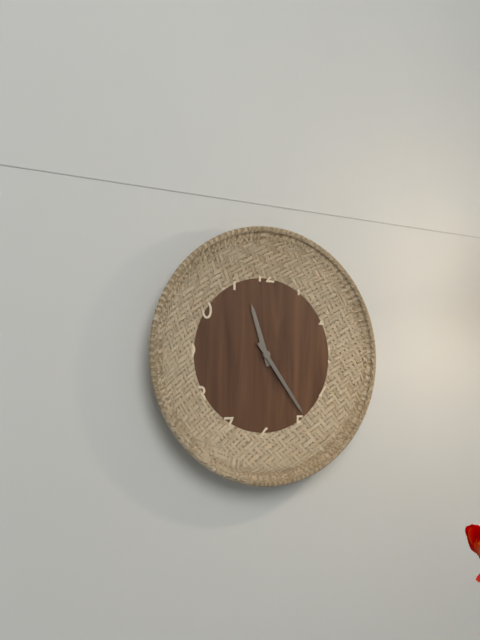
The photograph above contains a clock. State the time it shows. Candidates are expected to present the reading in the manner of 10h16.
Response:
11h24
